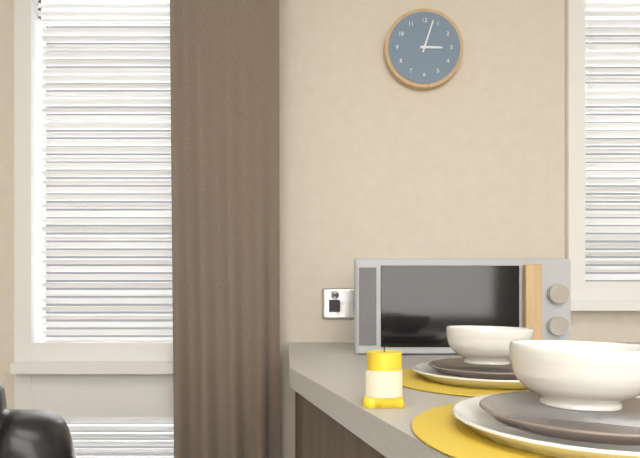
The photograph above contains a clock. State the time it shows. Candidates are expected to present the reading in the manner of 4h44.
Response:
3h03
